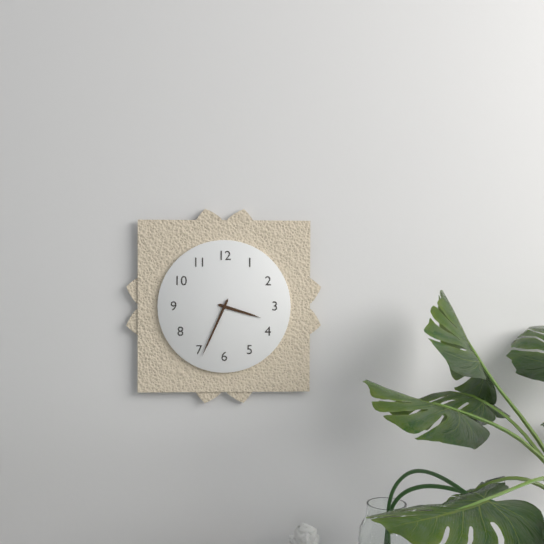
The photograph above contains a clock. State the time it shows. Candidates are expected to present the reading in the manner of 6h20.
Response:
3h34
